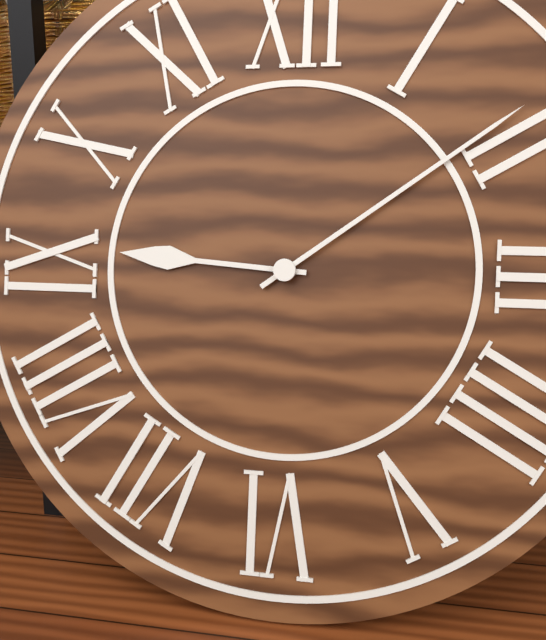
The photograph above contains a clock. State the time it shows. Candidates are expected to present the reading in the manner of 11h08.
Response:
9h09
